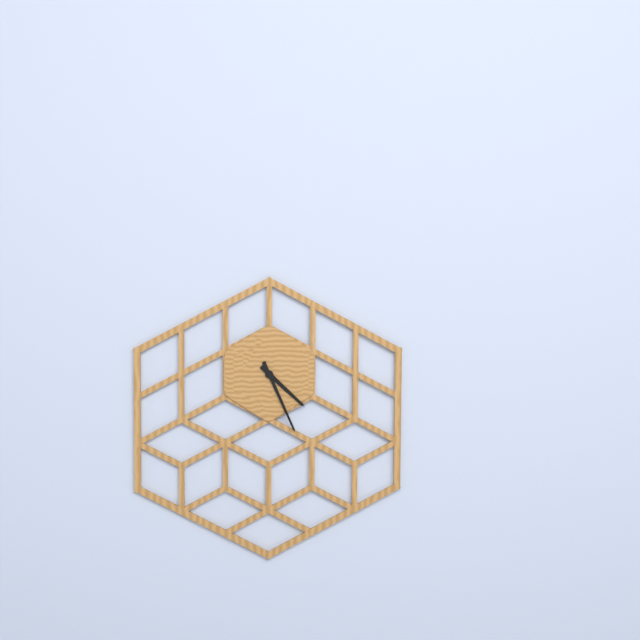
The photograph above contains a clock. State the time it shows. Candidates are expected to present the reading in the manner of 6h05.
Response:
4h26
